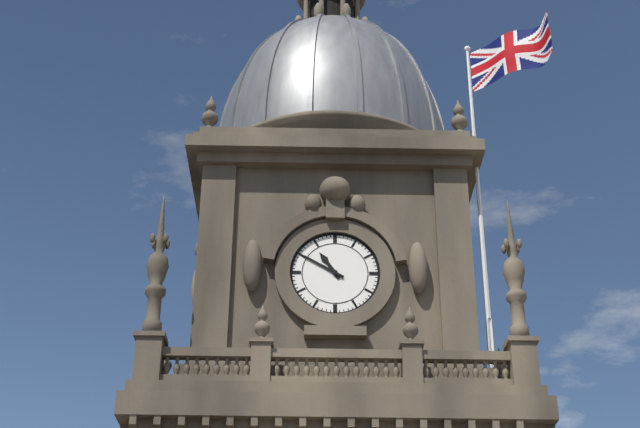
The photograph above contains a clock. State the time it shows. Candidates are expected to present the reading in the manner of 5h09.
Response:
10h50
